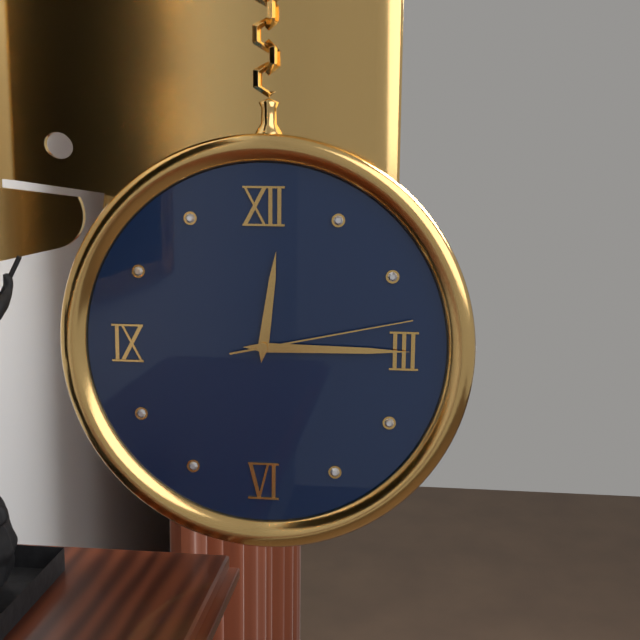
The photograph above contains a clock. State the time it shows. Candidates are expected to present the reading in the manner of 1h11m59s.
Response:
12h15m13s
